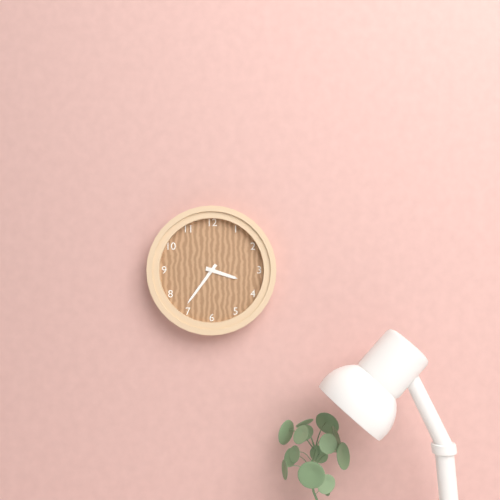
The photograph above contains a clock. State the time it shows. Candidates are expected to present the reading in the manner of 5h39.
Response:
3h36
